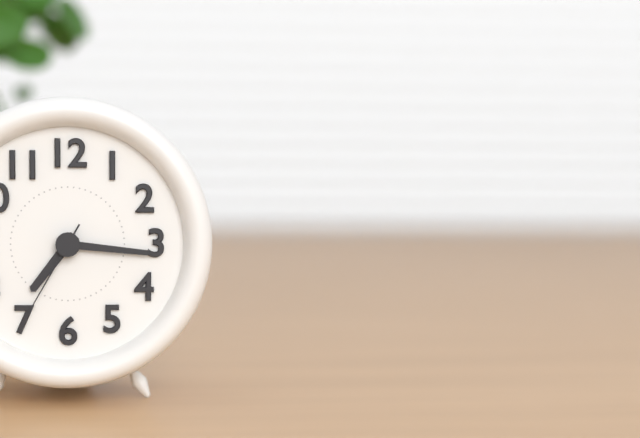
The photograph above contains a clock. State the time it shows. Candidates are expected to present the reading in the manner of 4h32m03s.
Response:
7h16m35s
